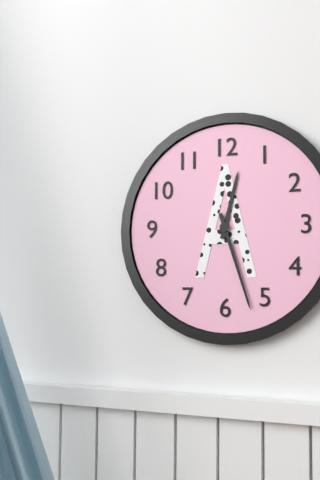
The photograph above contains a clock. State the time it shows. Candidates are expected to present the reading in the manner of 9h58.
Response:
12h27
